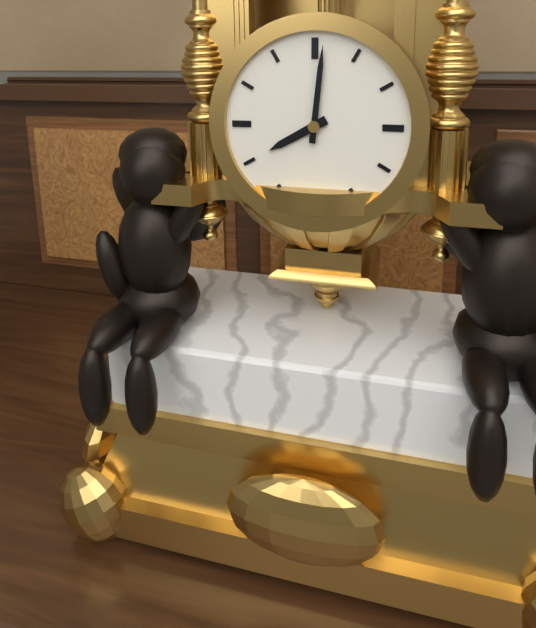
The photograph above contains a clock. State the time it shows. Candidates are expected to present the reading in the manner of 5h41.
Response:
8h01
